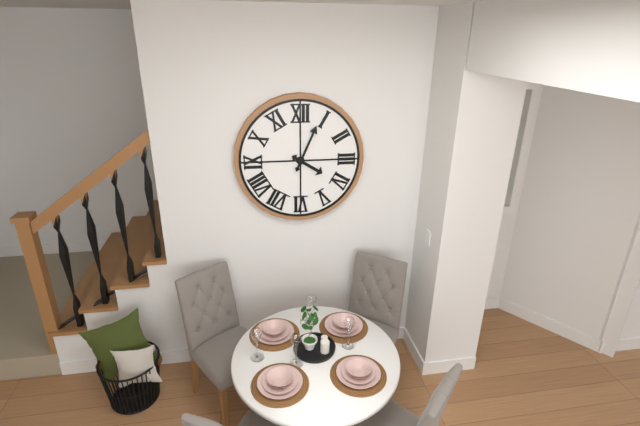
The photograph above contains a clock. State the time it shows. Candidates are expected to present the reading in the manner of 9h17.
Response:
4h04
